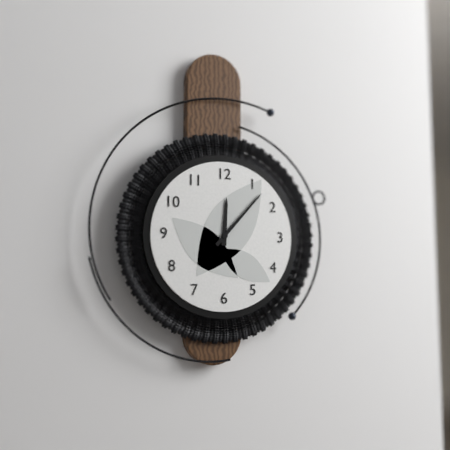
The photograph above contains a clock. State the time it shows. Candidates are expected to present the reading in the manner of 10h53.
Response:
12h07
